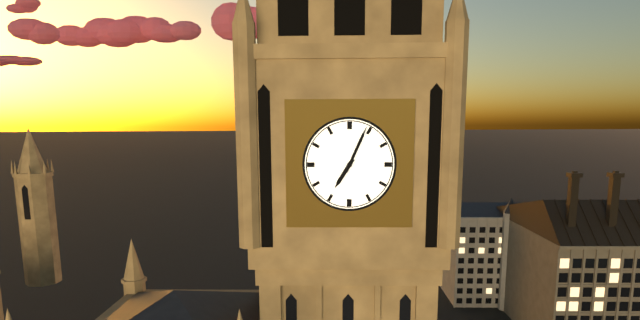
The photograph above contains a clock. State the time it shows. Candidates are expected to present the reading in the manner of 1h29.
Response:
7h04
